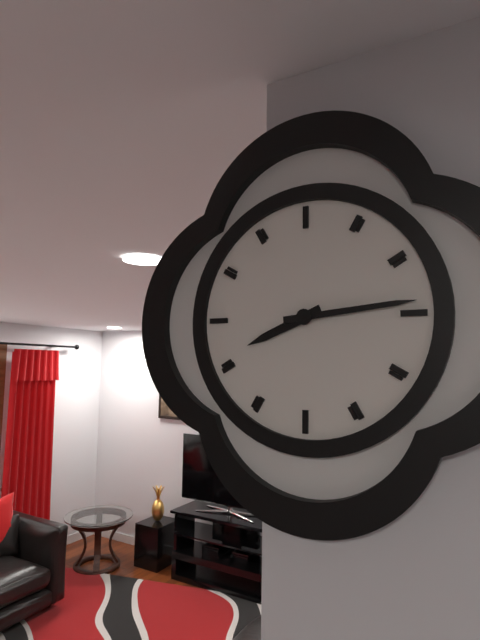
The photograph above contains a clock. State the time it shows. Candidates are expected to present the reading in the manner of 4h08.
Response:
8h14
